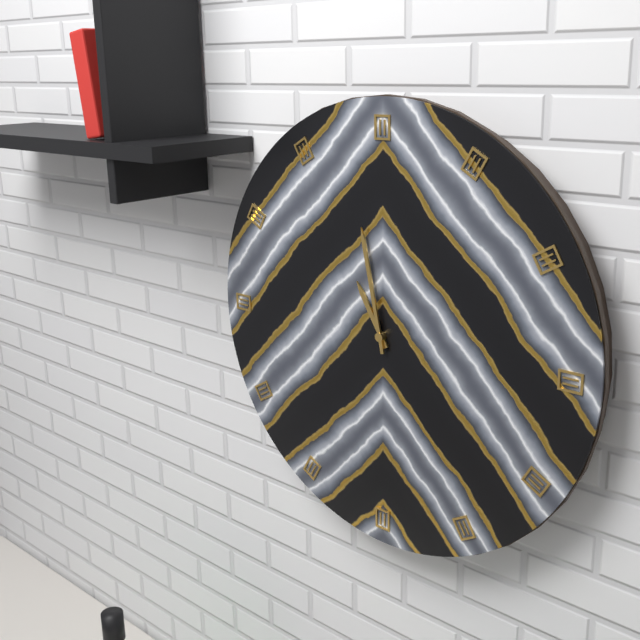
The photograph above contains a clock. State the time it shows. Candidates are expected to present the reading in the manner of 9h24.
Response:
10h58
